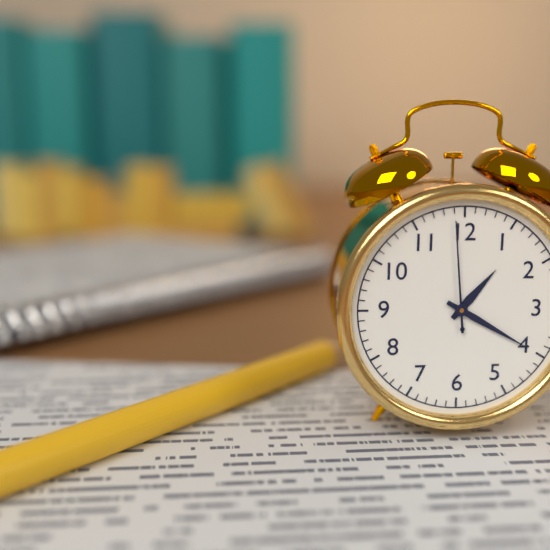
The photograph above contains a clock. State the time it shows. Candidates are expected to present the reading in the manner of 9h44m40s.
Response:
1h20m59s
